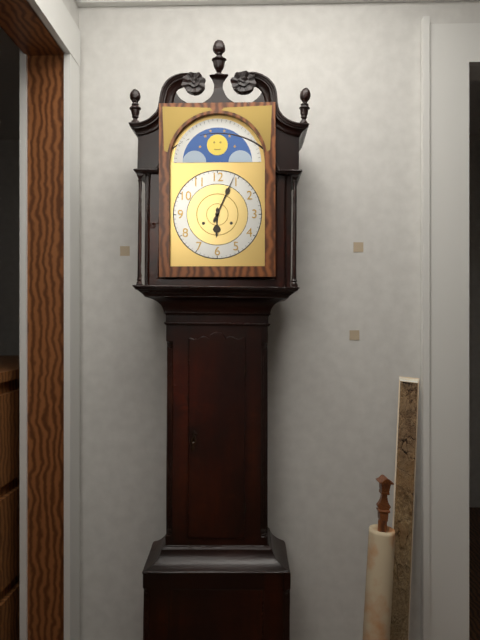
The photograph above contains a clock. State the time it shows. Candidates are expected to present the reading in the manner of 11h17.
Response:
6h04
